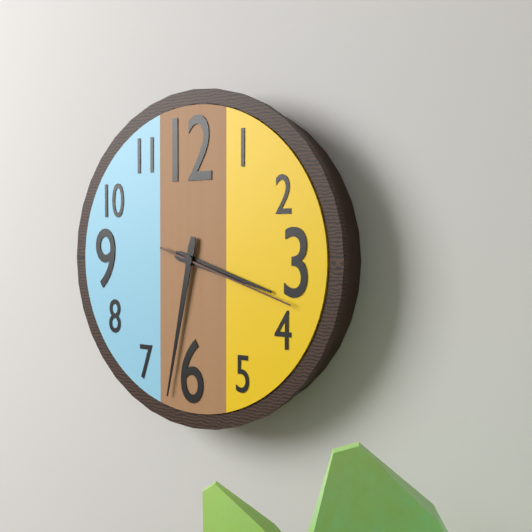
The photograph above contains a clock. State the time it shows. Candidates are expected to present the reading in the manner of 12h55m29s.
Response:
3h32m18s
